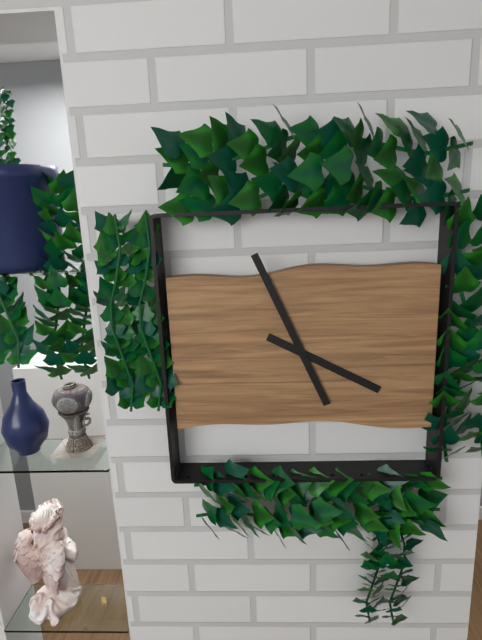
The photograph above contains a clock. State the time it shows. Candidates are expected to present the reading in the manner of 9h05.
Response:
3h56
